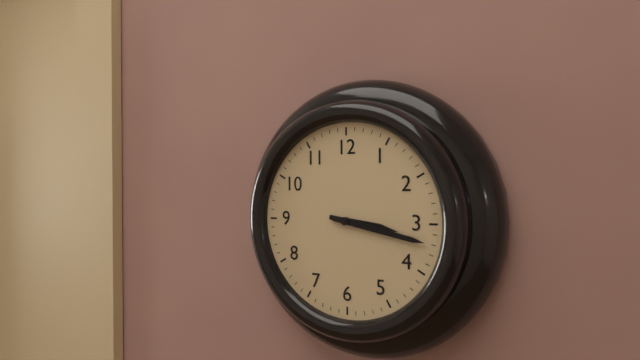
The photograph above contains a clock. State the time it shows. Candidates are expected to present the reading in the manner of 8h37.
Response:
3h17
